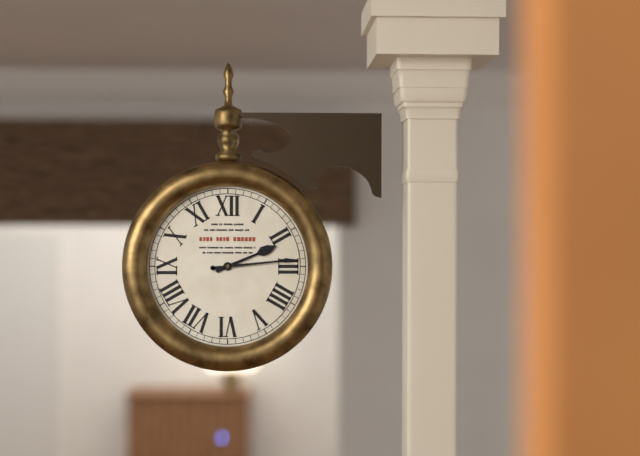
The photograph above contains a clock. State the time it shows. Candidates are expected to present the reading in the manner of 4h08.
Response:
2h14
